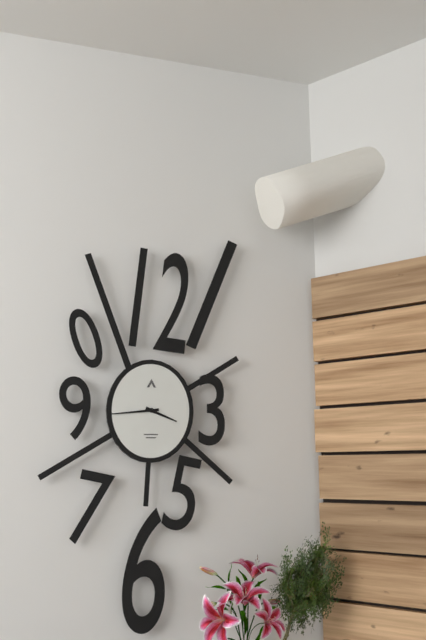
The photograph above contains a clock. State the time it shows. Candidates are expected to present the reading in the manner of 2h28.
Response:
3h44
